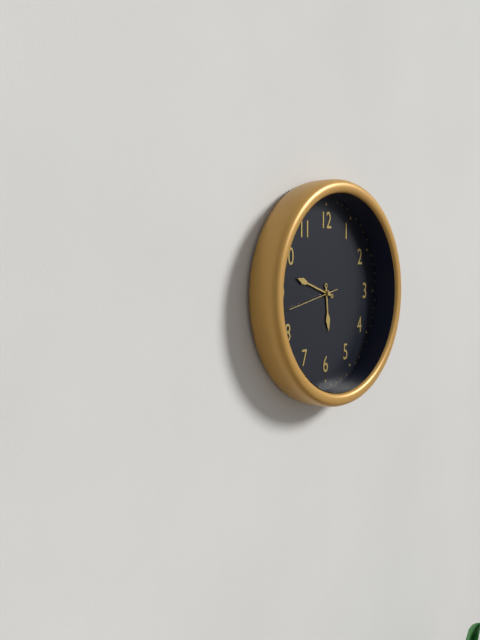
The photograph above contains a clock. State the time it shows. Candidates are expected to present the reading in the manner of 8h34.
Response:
5h48
